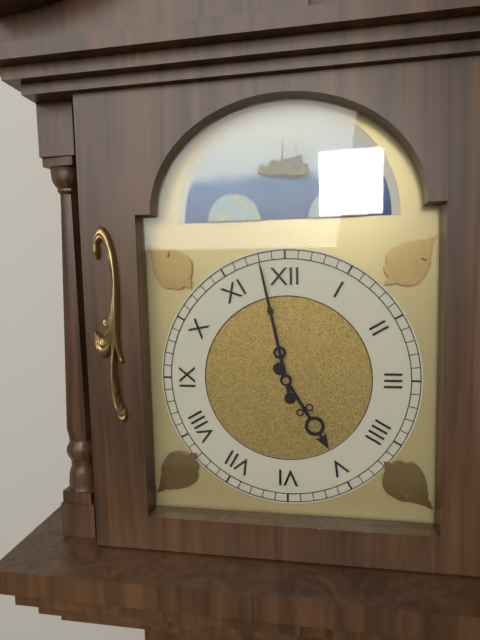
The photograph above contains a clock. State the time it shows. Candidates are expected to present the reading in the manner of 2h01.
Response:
4h58
